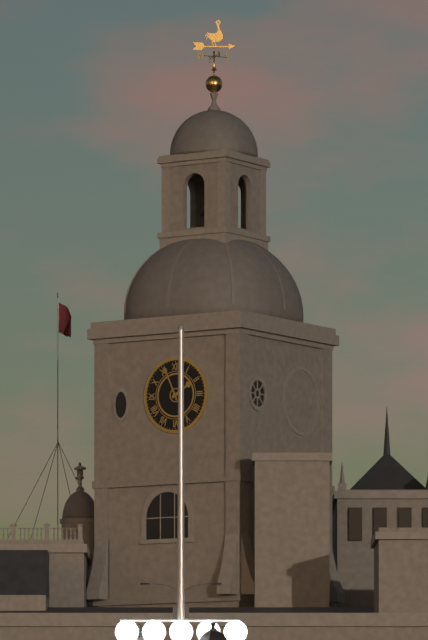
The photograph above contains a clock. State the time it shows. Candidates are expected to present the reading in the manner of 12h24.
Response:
1h56
